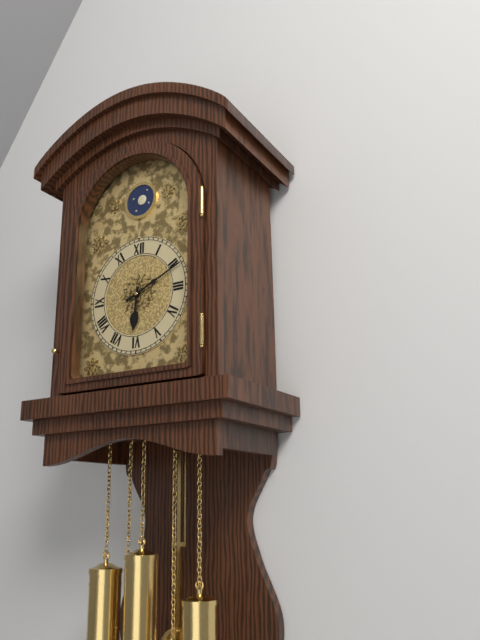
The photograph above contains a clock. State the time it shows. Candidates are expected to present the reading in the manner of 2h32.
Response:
6h11
